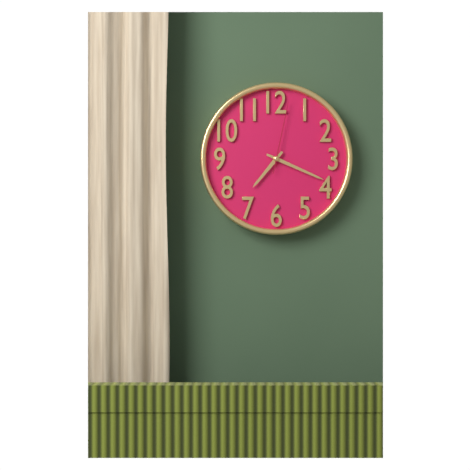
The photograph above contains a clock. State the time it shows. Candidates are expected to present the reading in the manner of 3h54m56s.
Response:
7h19m02s
